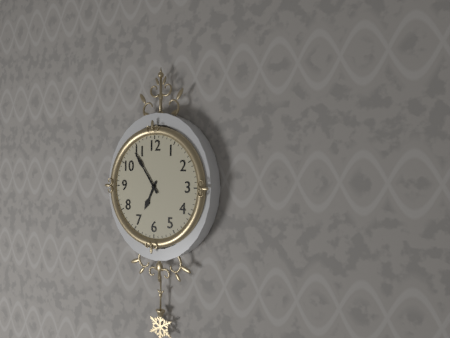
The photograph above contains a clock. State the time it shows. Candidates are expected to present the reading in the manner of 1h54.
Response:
6h54
